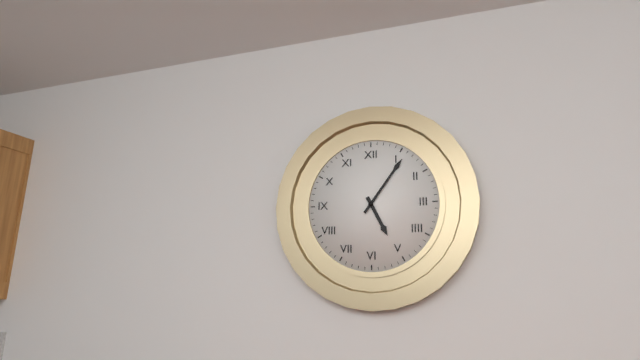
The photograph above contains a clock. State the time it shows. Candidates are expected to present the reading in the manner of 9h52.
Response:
5h06
